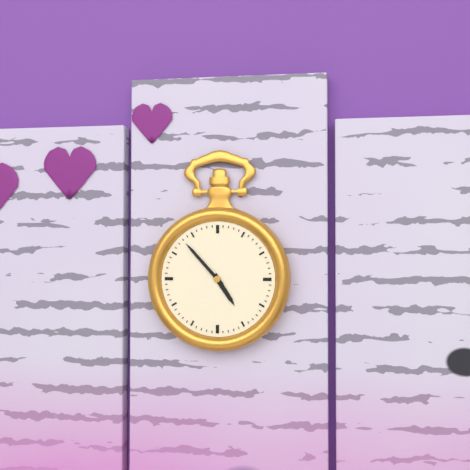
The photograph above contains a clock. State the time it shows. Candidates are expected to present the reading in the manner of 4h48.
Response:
4h53
